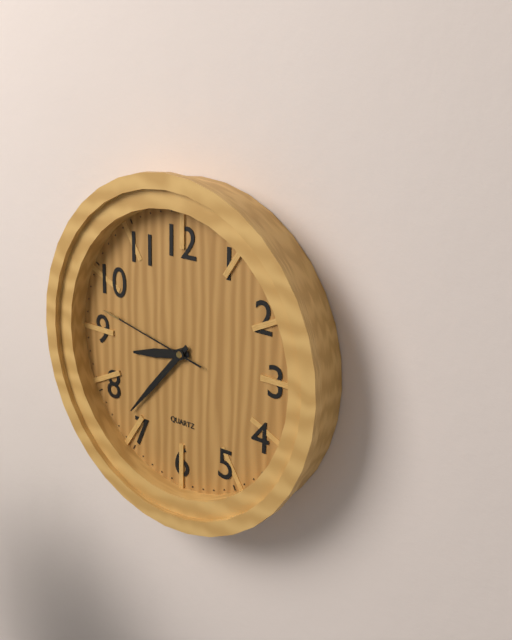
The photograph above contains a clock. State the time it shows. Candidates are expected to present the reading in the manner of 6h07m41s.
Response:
8h37m47s
